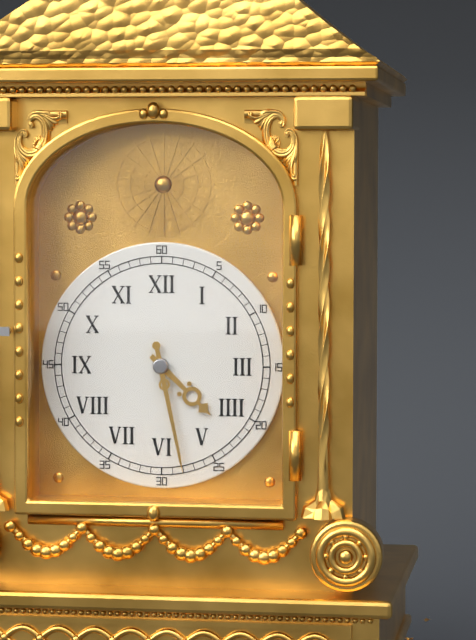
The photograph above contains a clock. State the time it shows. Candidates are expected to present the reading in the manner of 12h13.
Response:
4h28
